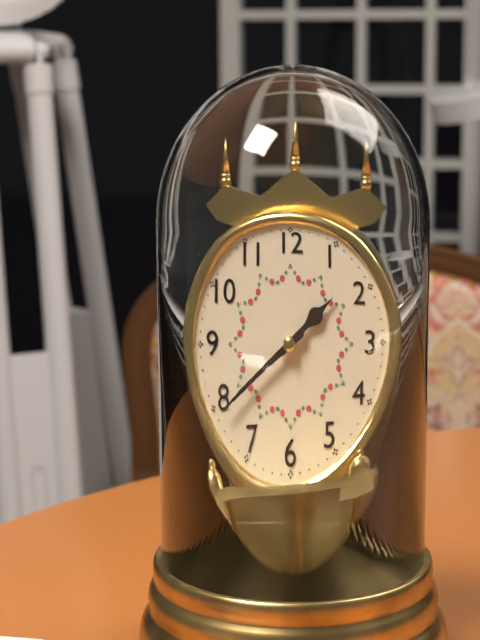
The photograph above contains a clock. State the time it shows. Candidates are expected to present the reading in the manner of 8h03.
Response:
1h39
